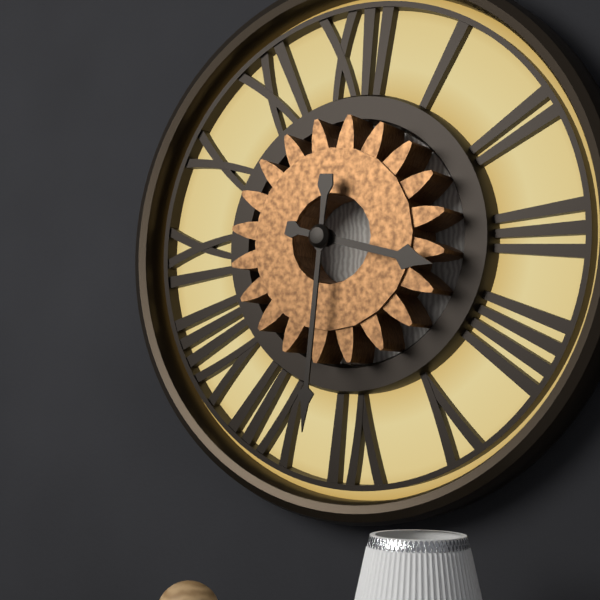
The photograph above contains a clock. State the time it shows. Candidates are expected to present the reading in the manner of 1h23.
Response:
3h31
